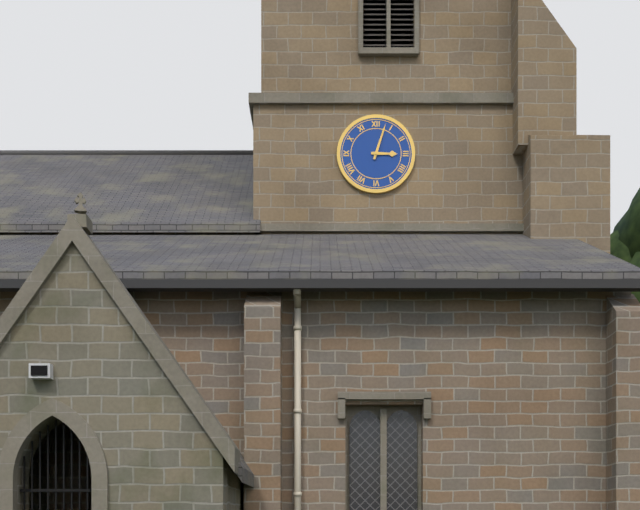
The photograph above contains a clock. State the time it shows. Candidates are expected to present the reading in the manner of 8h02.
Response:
3h03
